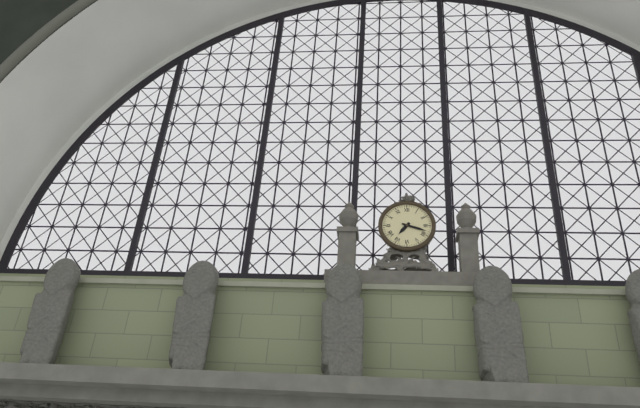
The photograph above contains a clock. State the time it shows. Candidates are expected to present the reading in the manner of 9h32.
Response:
7h18
